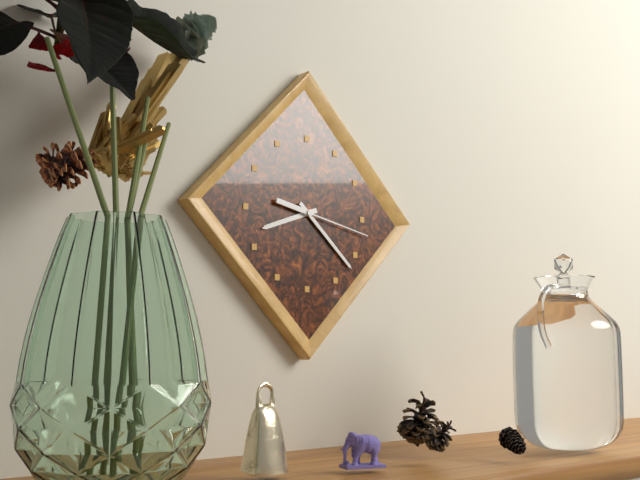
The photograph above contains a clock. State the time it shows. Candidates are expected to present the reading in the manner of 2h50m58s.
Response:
8h22m17s
